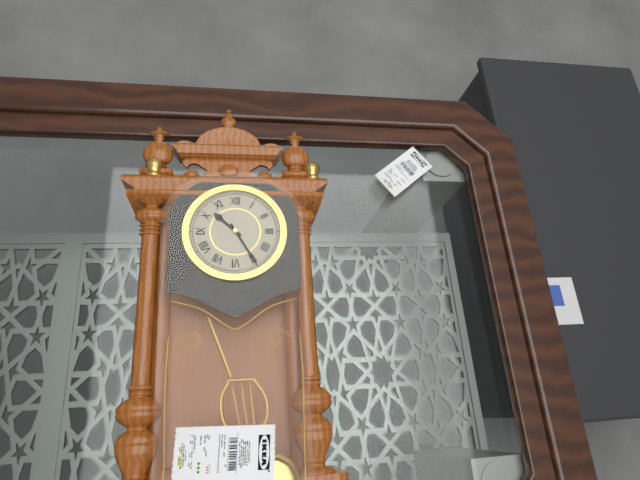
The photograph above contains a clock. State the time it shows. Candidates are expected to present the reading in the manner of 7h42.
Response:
10h25
